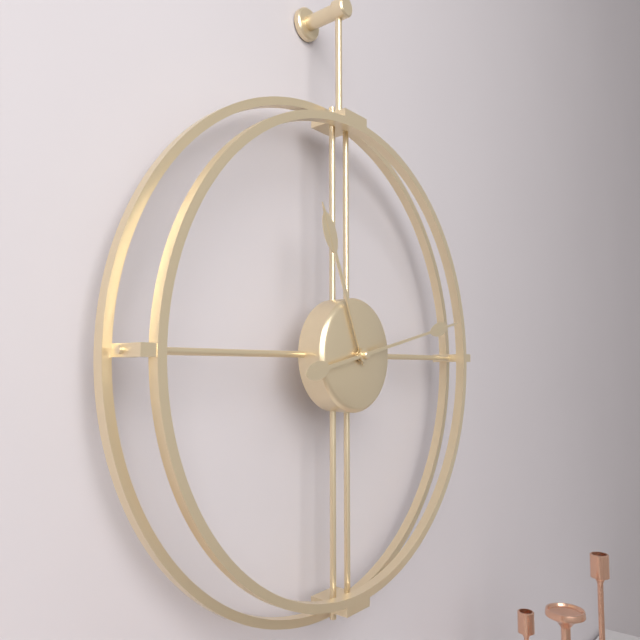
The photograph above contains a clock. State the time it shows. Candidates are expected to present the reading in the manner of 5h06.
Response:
11h13
